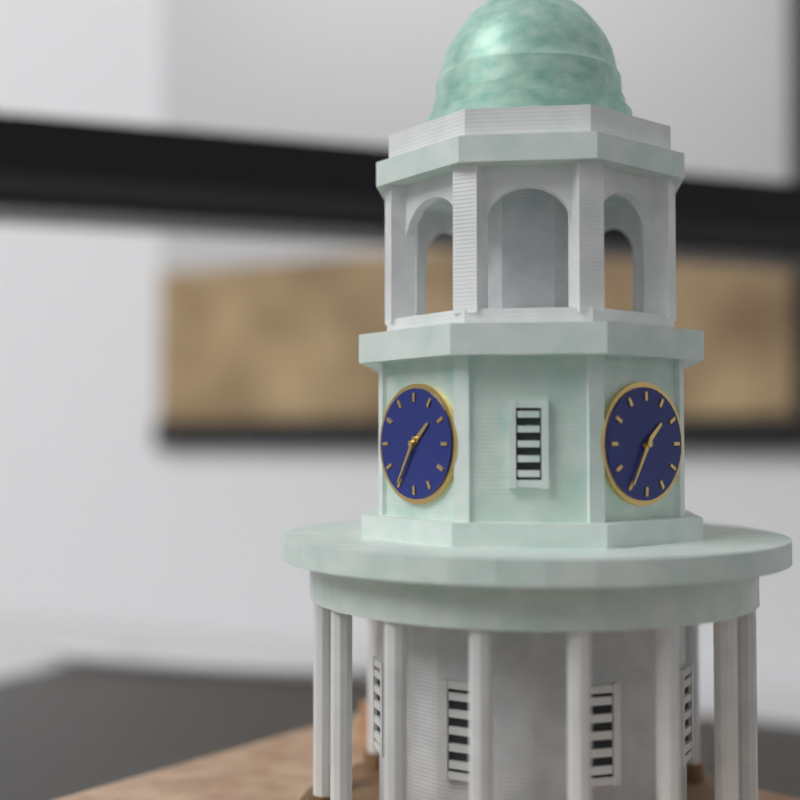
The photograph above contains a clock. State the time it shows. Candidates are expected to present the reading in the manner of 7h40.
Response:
1h35
